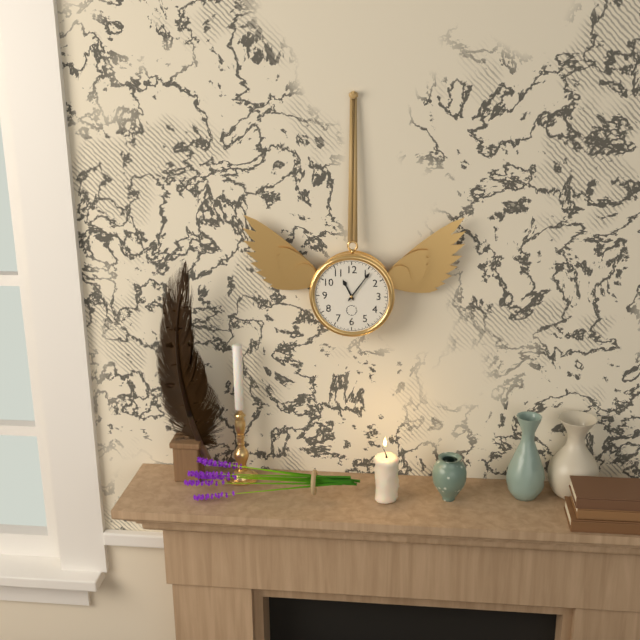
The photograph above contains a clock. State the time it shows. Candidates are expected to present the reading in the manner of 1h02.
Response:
11h06
